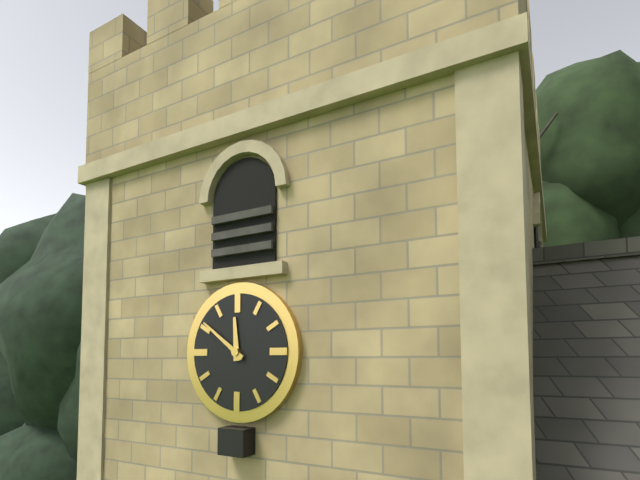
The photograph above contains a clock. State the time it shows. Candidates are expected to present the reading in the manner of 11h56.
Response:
11h51
